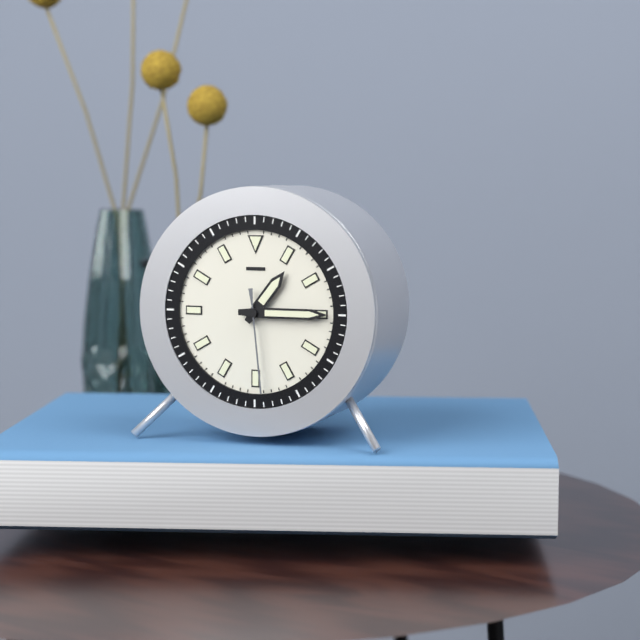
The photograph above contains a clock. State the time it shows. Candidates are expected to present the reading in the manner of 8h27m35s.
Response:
1h15m29s
